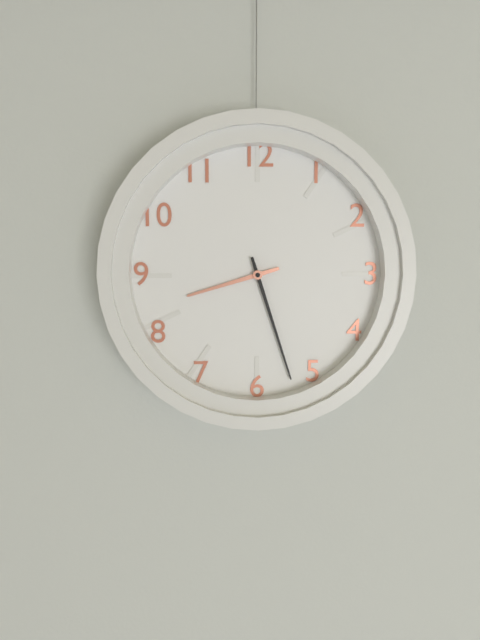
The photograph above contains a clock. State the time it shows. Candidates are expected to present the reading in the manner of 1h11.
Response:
8h27
